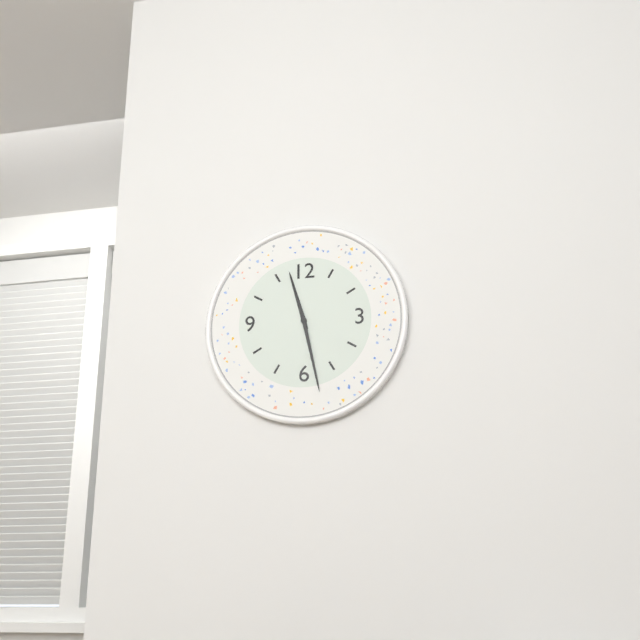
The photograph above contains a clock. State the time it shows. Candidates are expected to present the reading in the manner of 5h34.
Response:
11h28
